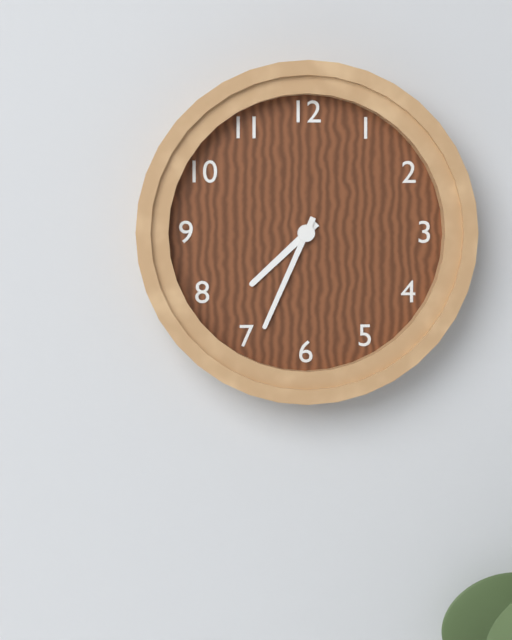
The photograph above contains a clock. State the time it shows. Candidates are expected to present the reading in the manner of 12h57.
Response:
7h34
